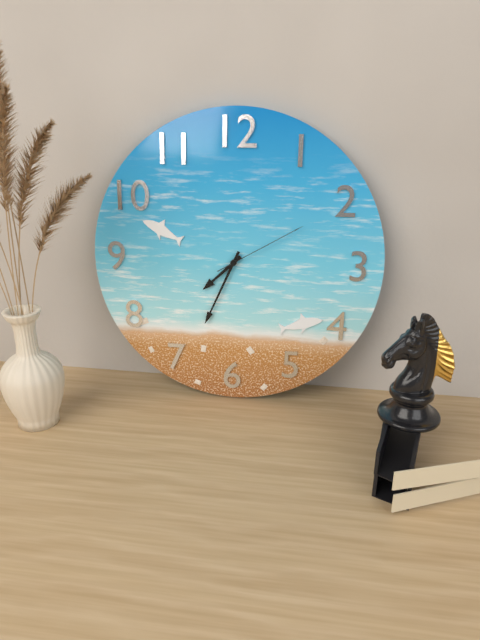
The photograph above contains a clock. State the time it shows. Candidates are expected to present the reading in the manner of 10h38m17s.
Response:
7h34m10s
